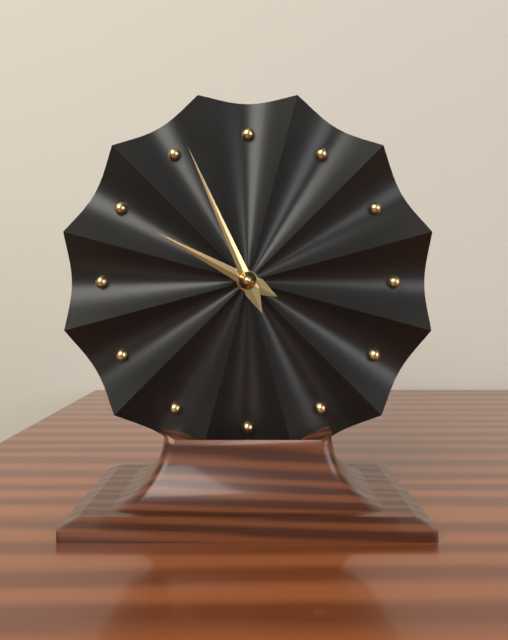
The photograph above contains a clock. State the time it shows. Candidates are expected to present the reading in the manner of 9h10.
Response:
9h56
